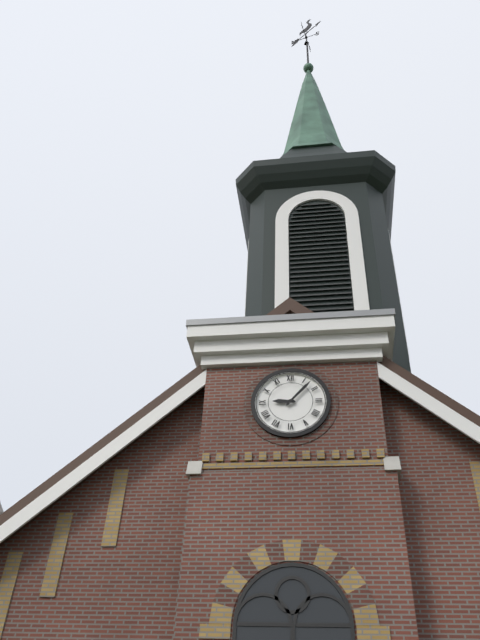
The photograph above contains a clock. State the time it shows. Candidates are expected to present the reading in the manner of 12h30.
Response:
9h07
